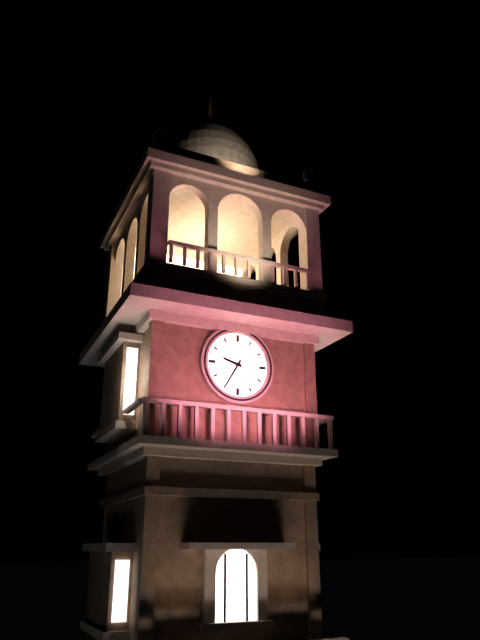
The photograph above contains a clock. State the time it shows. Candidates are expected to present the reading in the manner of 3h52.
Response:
9h35
